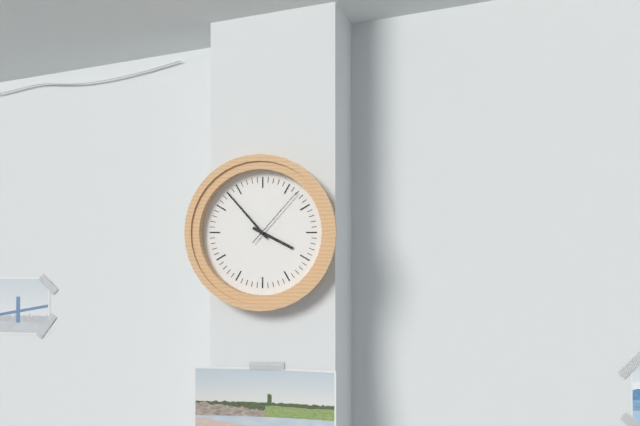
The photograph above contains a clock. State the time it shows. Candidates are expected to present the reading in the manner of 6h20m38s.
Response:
3h53m07s
